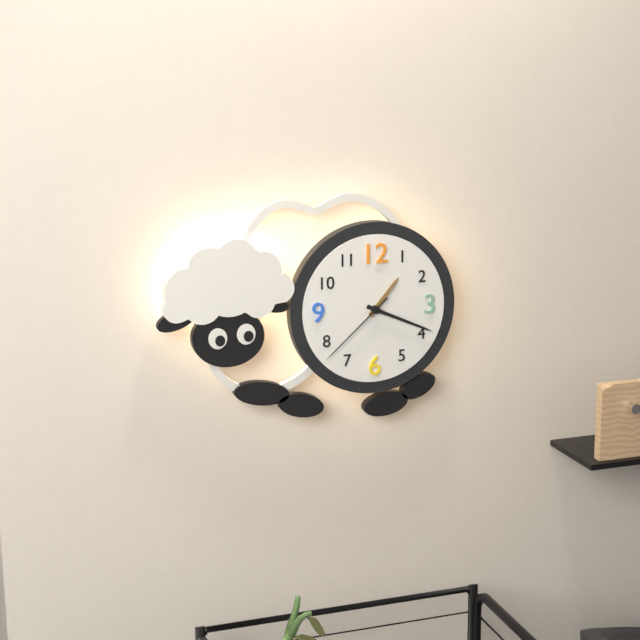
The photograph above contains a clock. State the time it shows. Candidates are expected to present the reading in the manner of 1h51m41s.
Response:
1h19m38s
